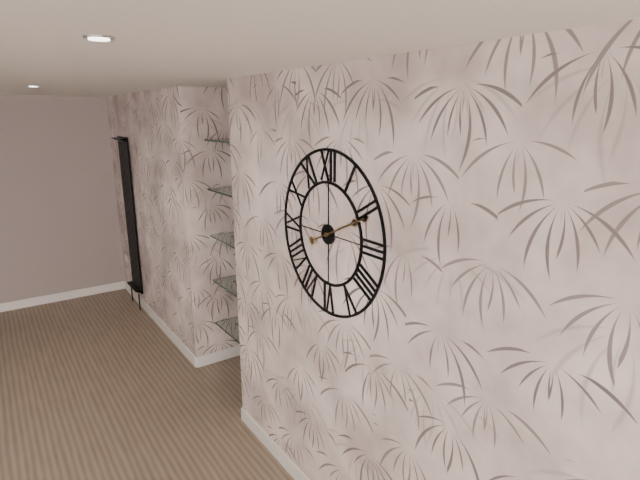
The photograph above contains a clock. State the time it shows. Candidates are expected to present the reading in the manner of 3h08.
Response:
2h11
